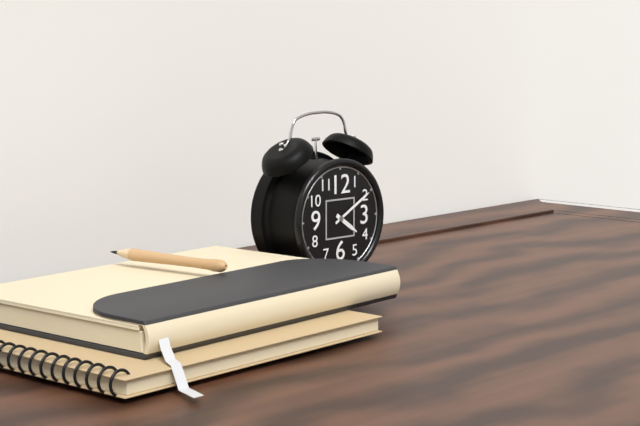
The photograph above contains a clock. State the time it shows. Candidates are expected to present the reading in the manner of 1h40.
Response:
4h10
